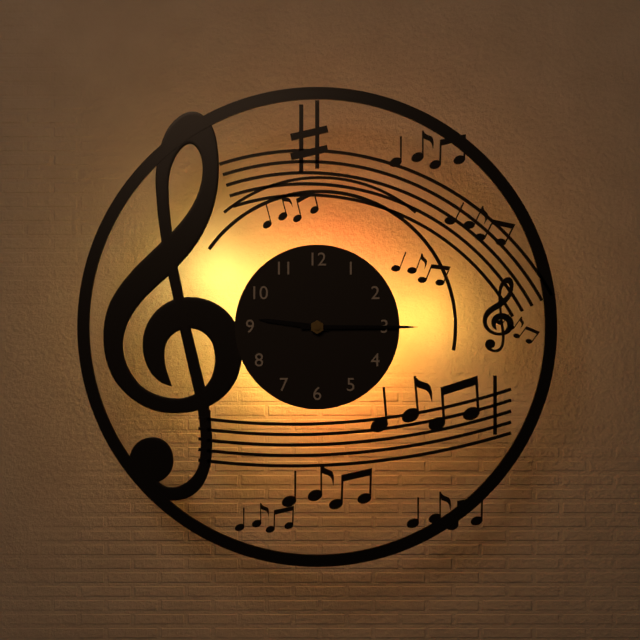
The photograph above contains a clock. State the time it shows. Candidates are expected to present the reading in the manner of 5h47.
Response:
9h15
